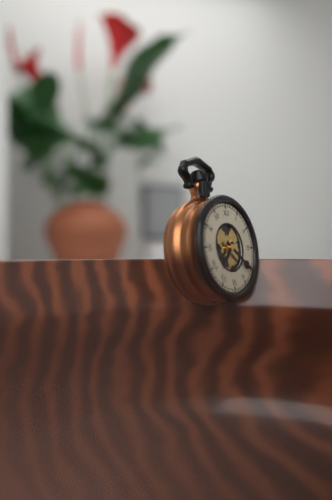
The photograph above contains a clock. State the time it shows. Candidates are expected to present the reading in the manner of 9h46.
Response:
7h21
